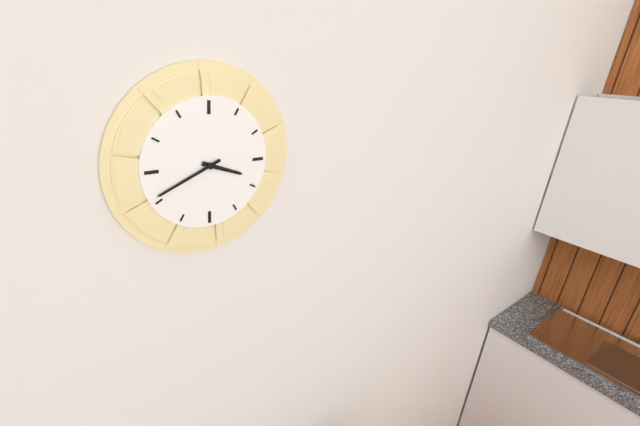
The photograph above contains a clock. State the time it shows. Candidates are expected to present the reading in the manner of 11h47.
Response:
3h41
